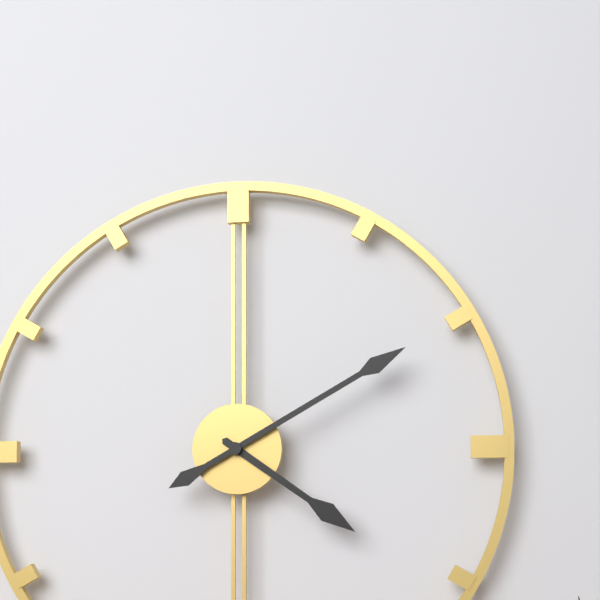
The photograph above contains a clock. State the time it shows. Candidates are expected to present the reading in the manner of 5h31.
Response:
4h10
